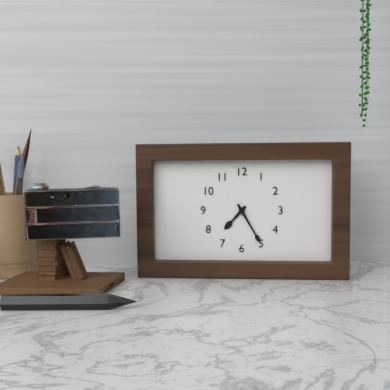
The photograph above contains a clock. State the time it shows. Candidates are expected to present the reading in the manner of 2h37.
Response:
7h25
